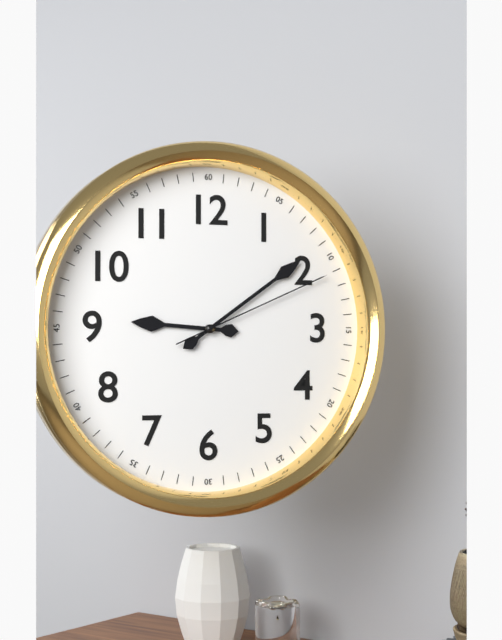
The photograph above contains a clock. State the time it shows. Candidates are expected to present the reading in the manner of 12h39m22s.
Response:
9h09m11s
